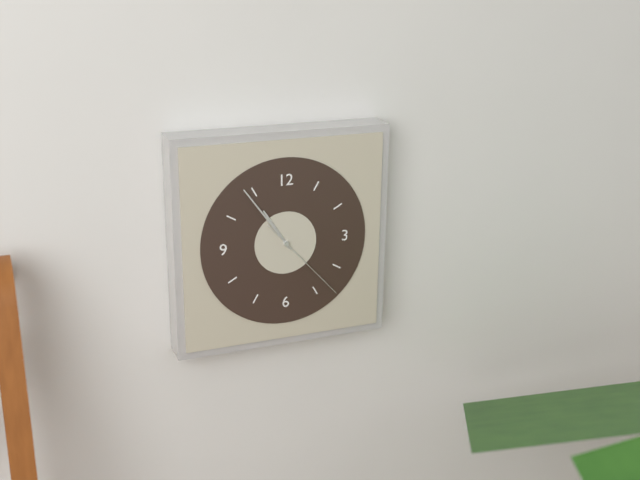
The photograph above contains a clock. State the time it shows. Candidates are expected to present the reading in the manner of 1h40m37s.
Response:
10h54m23s
